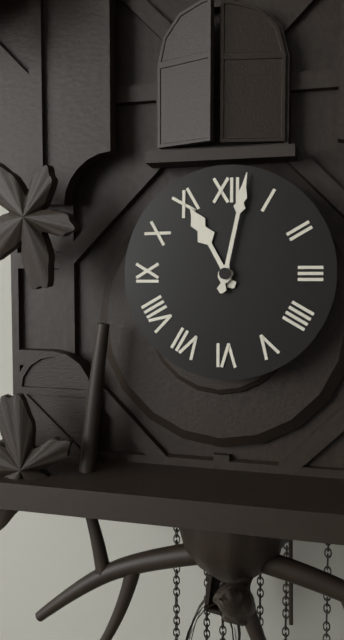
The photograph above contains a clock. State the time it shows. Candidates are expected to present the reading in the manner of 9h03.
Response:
11h02
